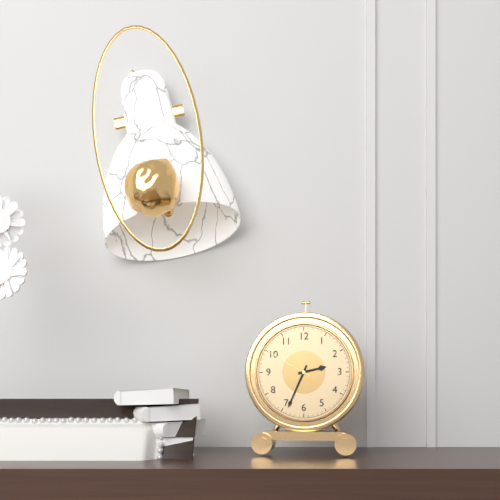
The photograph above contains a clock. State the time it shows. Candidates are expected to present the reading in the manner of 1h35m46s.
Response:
2h34m50s
